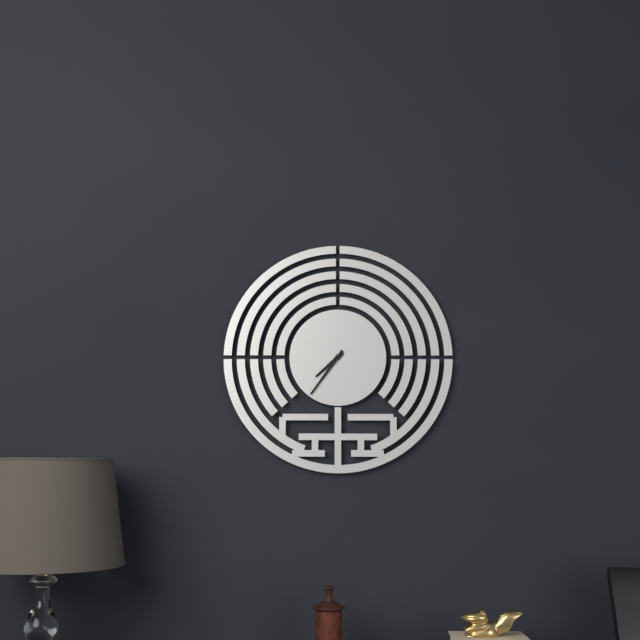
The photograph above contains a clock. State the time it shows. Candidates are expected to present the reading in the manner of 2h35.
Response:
7h36
